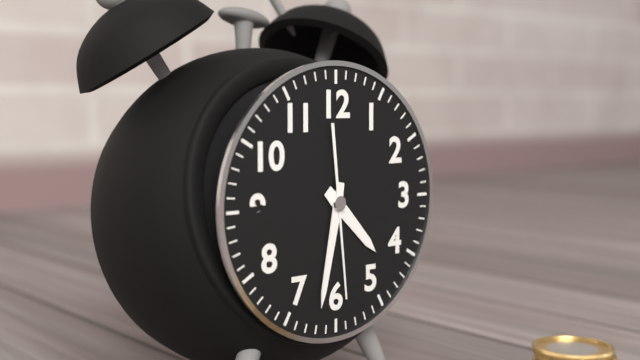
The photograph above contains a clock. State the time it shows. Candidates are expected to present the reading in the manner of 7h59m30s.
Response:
4h32m29s
